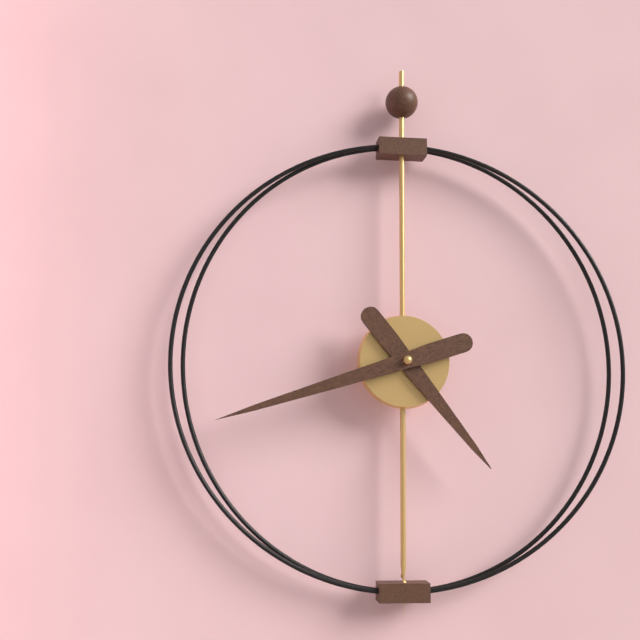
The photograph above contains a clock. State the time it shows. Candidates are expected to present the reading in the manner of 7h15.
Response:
4h42
